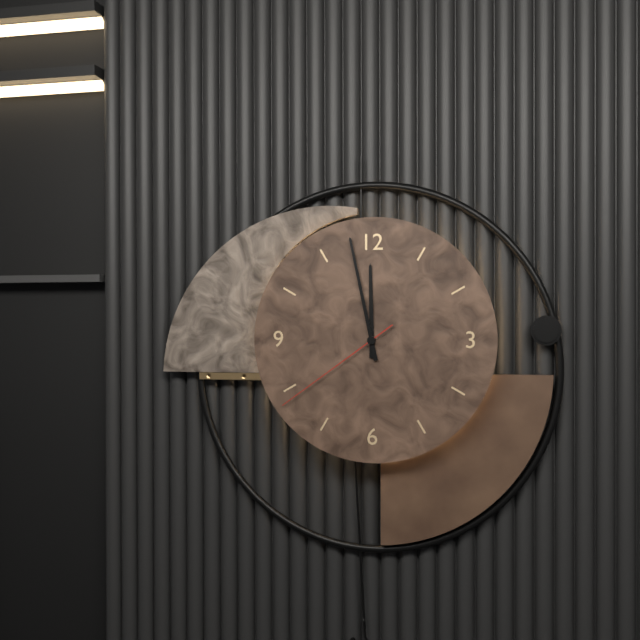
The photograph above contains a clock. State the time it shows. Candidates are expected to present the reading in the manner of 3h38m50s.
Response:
11h58m39s
